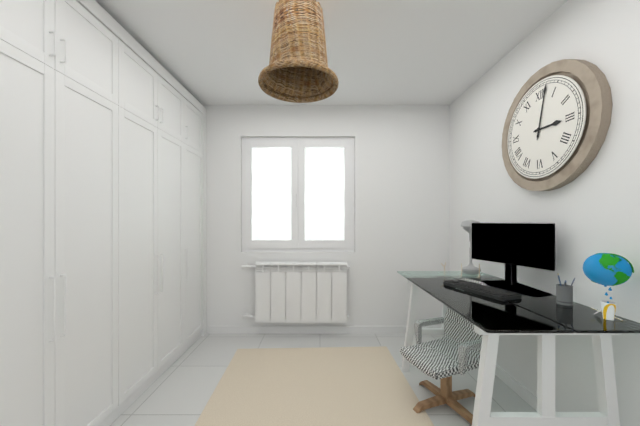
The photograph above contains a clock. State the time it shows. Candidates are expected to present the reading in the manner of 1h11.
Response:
3h02
